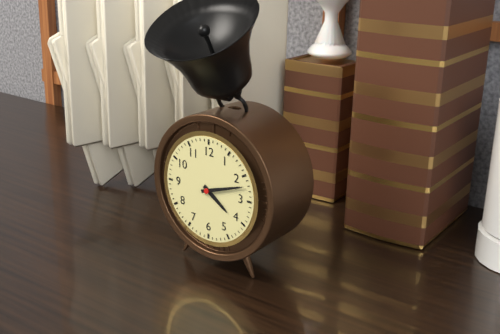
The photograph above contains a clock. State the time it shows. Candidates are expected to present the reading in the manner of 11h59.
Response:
4h12
